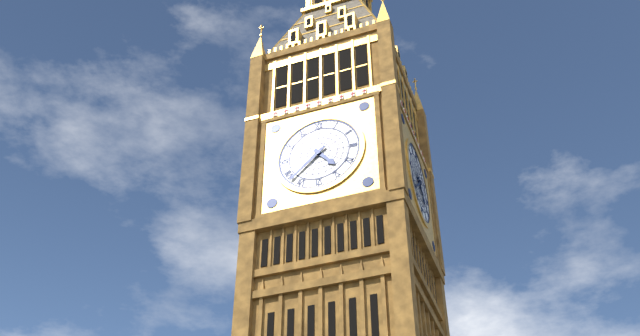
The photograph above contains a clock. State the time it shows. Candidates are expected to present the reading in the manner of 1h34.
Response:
4h38
